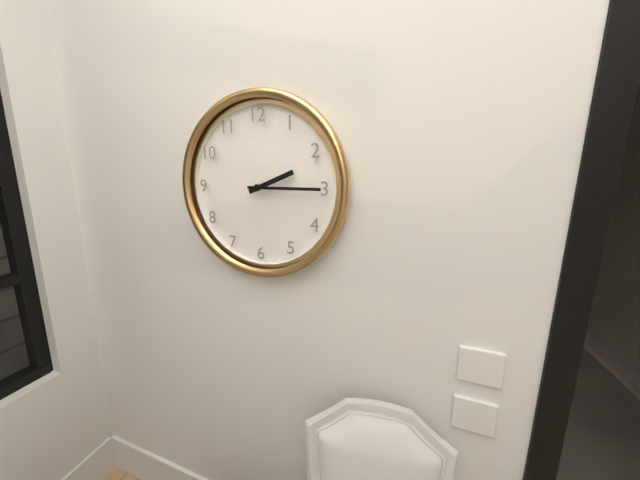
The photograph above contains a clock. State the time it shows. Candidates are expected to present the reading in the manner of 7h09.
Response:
2h15
